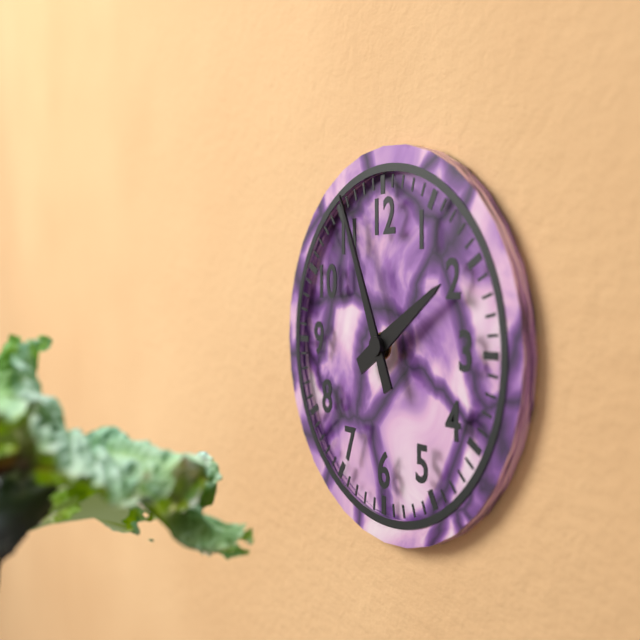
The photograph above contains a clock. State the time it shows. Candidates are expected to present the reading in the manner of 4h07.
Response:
1h56
